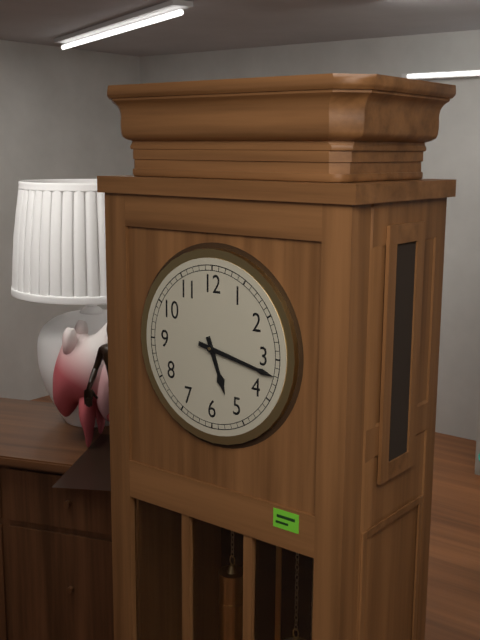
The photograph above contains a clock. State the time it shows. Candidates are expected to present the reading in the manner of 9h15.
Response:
5h17
